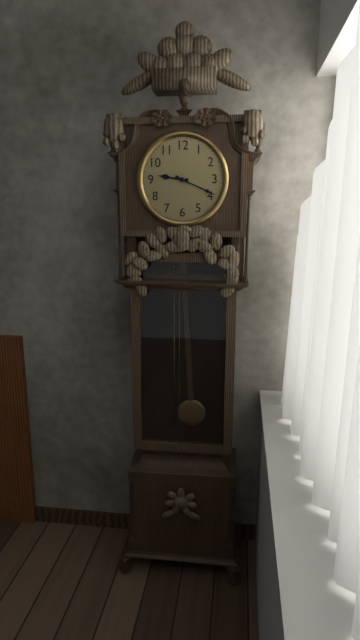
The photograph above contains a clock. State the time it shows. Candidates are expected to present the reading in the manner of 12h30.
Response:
9h19
